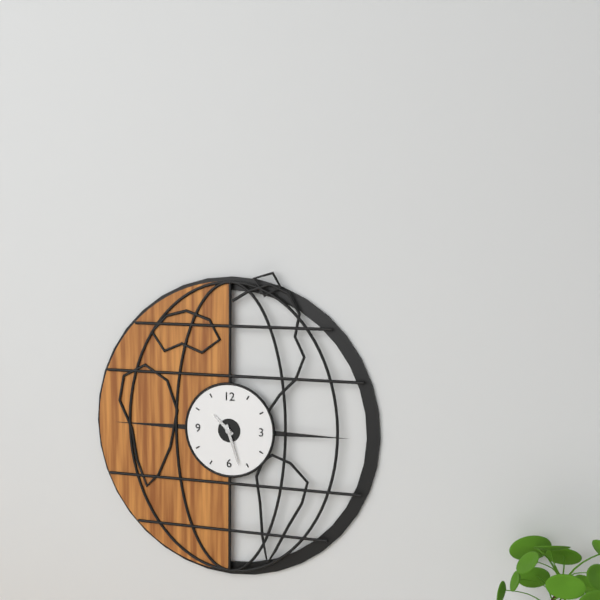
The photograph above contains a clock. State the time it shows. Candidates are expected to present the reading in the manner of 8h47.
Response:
10h27
